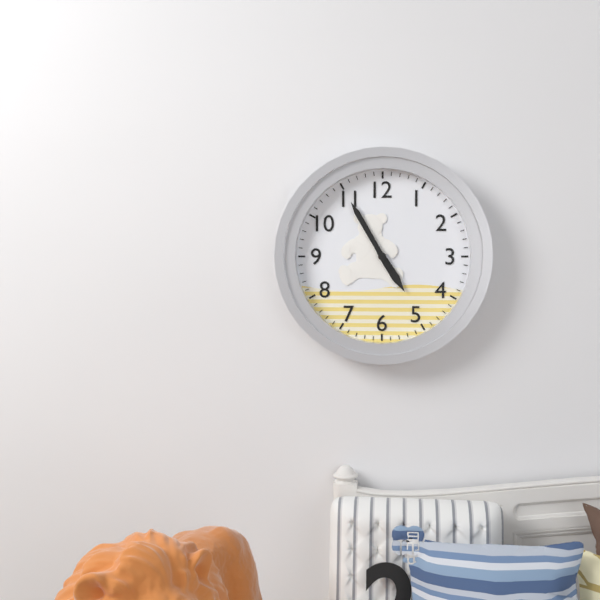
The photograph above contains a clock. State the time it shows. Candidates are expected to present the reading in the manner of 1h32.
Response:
4h55
